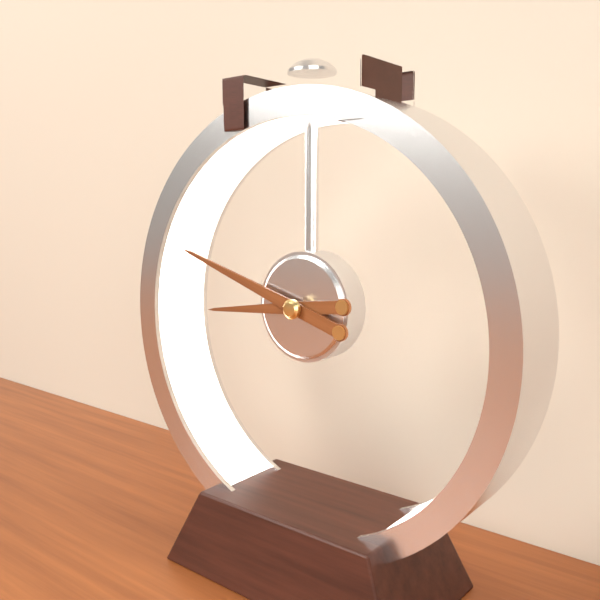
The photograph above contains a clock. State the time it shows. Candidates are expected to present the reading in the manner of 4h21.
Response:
8h48
